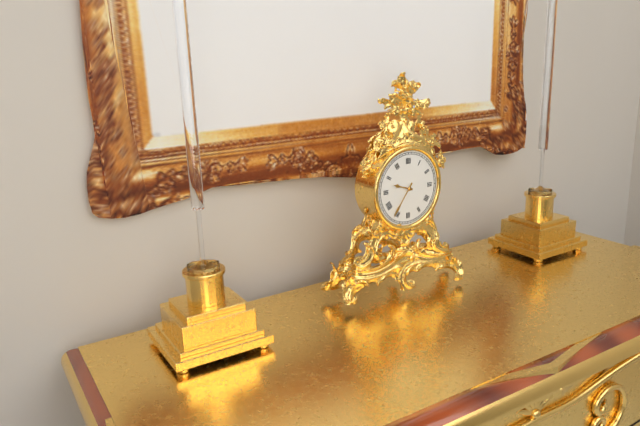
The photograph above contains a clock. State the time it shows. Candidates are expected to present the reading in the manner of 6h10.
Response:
9h36
